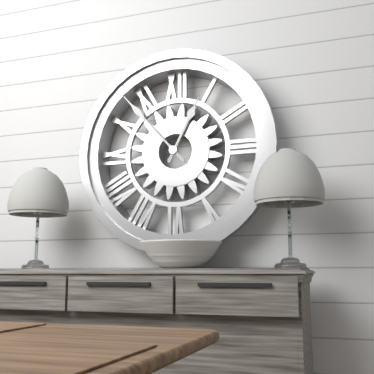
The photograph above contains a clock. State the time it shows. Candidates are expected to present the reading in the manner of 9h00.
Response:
12h53
